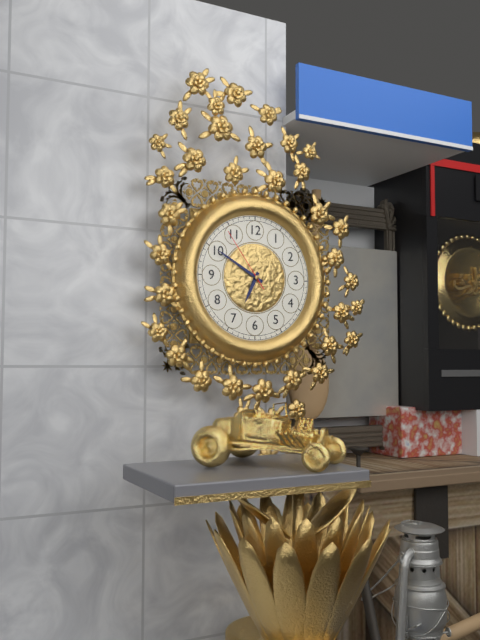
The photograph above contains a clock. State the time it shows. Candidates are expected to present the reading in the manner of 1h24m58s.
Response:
6h50m54s
